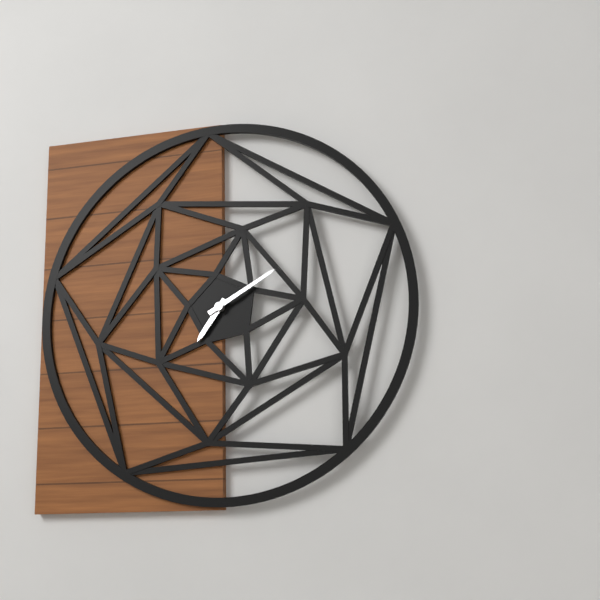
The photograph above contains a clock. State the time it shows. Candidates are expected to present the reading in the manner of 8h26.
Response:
7h10
